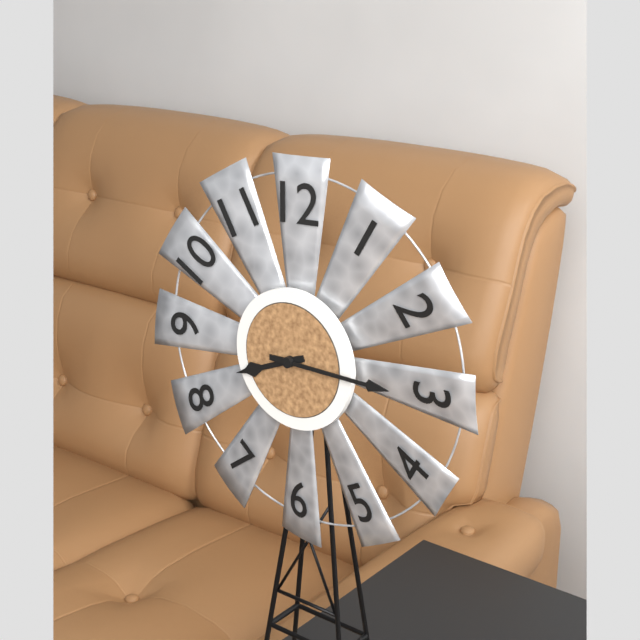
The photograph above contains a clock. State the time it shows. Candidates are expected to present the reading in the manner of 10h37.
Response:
8h15
